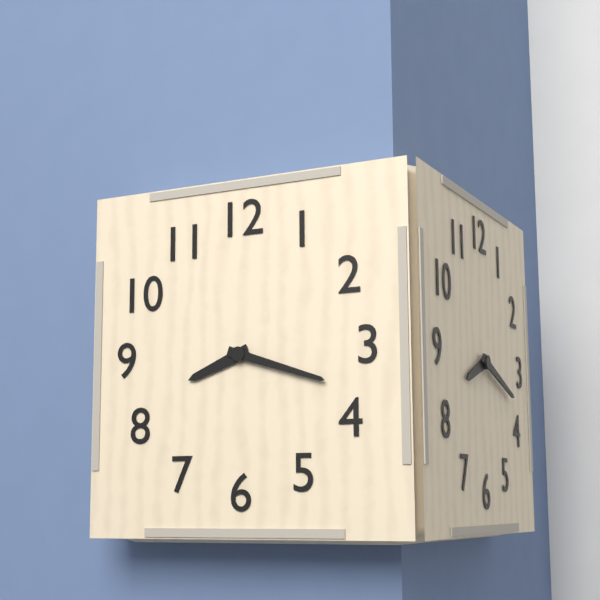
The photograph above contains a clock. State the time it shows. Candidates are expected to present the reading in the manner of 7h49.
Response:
8h18
